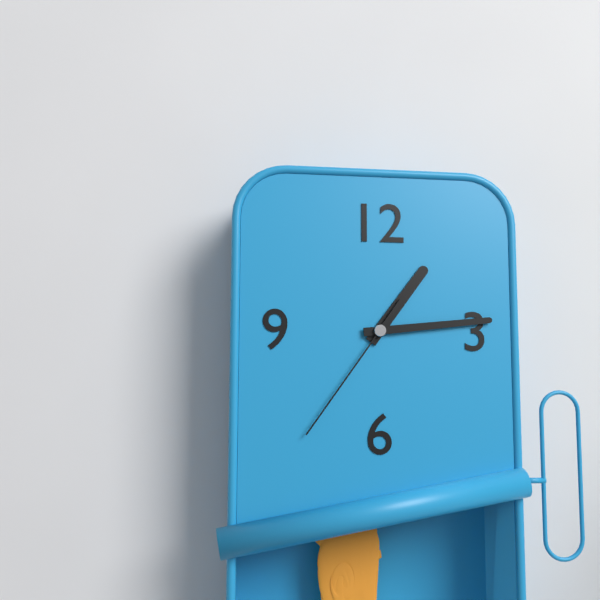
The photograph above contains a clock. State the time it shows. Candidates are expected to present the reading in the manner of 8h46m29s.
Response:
1h14m36s
